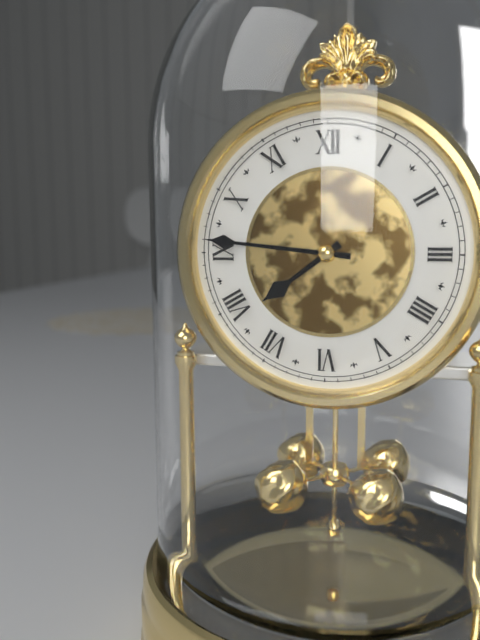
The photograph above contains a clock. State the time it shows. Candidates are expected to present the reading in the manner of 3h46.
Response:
7h46
